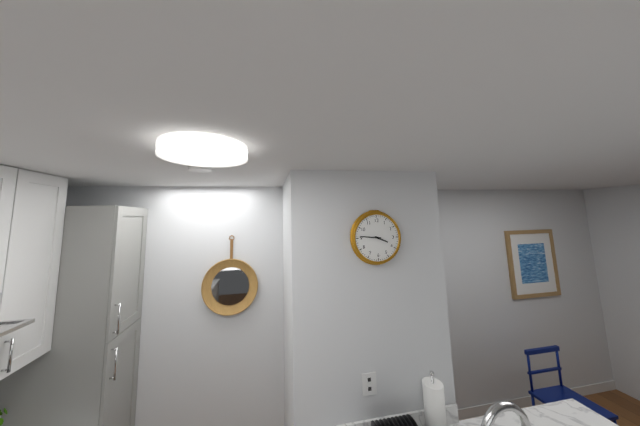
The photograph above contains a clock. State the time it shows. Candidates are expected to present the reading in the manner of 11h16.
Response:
3h46
